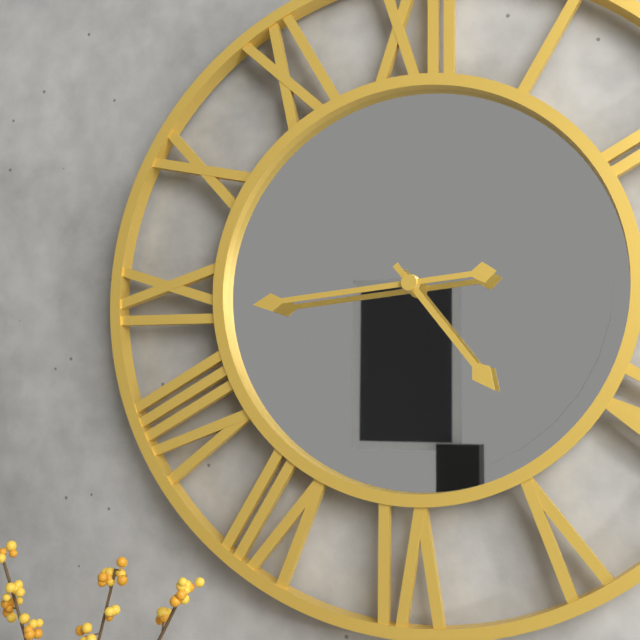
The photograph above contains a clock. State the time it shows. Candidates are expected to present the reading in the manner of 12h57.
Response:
4h44
